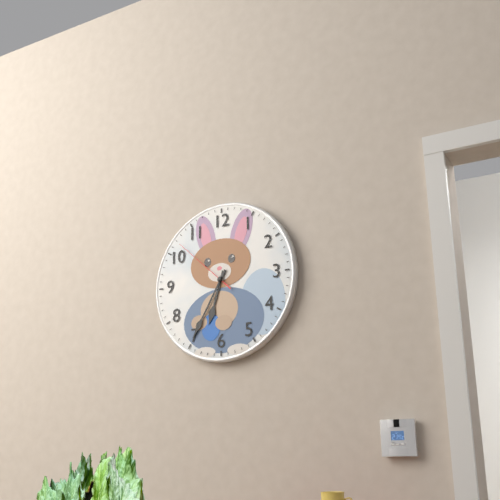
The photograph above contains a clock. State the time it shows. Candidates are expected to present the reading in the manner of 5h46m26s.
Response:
6h35m52s
